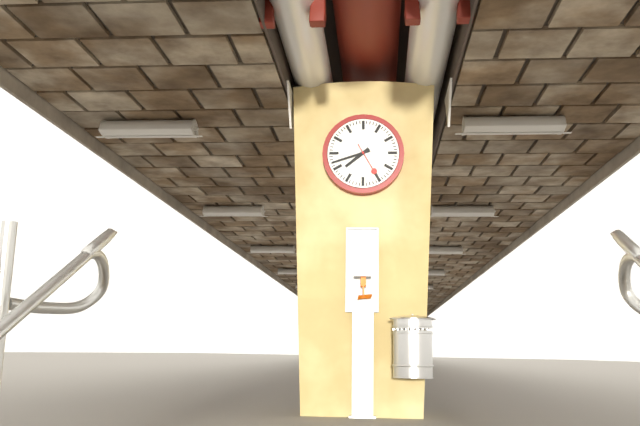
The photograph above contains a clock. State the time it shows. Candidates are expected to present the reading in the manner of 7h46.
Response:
7h42
